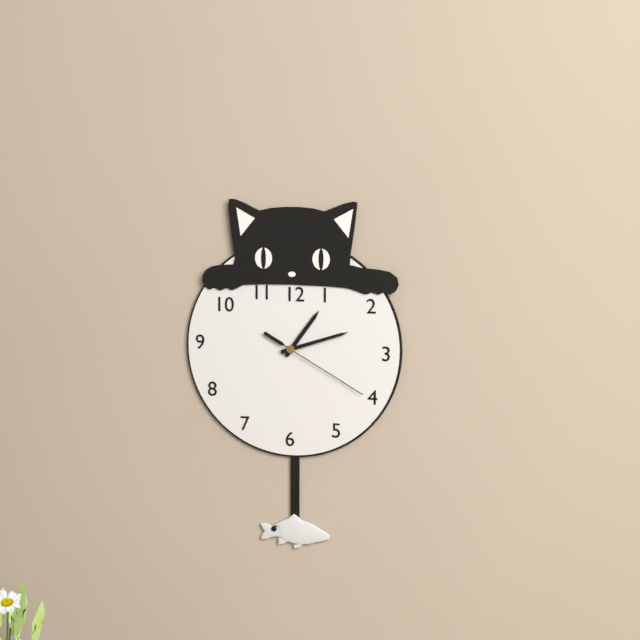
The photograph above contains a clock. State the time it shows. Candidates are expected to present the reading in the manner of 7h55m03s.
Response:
1h12m20s
